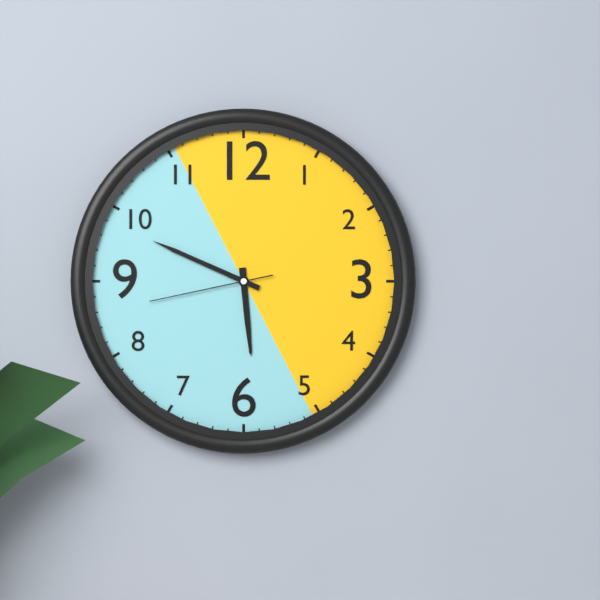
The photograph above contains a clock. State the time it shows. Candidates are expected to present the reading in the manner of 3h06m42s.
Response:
5h49m43s
